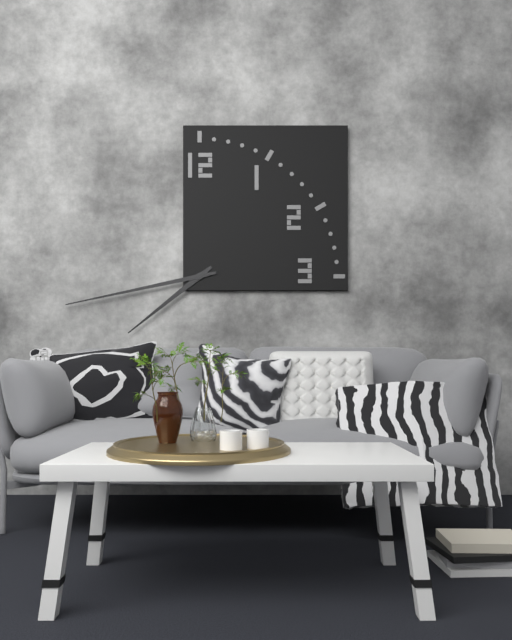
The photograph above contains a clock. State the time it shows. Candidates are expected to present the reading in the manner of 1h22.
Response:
7h43
